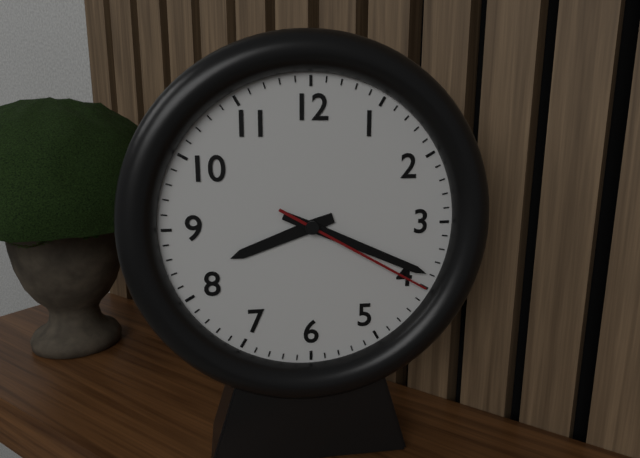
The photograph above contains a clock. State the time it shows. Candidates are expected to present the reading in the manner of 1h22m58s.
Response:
8h19m20s
